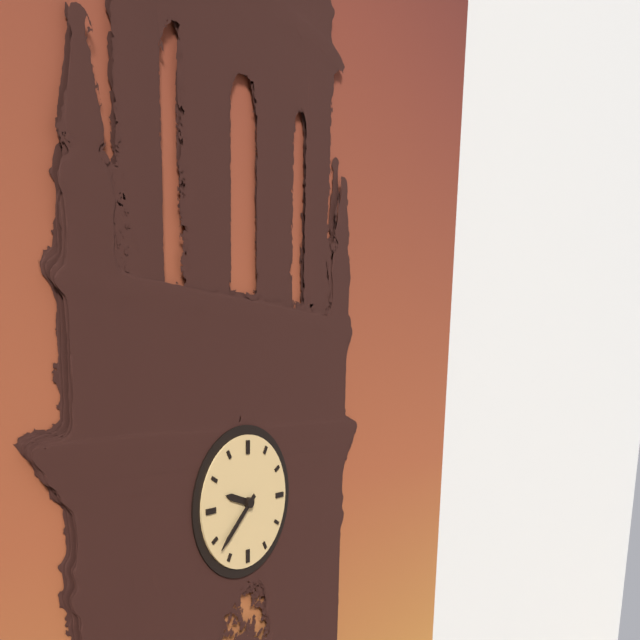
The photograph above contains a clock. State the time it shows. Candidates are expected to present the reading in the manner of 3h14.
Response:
9h38
